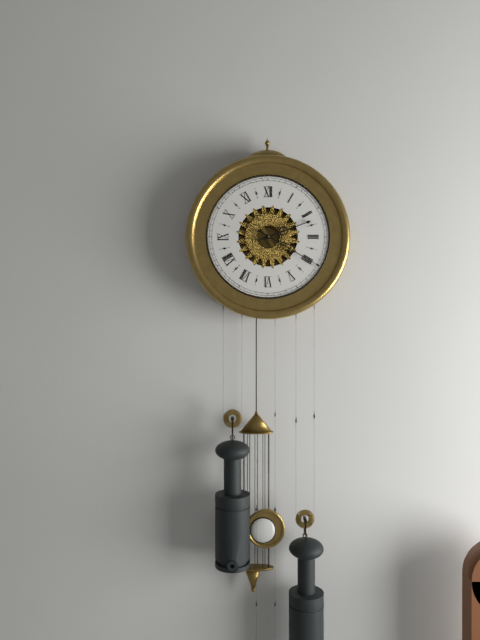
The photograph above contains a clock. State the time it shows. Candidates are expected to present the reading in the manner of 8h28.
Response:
2h20
